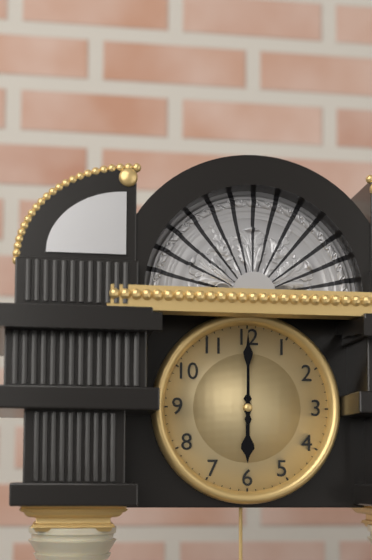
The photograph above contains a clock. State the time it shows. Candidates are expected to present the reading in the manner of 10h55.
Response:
6h00
